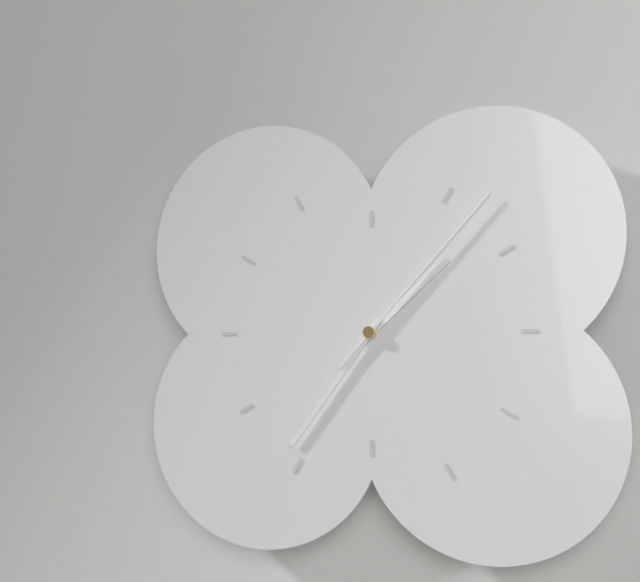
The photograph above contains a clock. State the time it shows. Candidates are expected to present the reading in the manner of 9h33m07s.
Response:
1h36m07s
